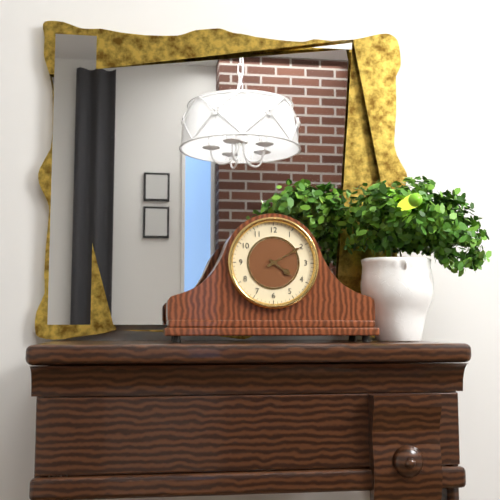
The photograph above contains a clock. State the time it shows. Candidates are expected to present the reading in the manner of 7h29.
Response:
4h10
